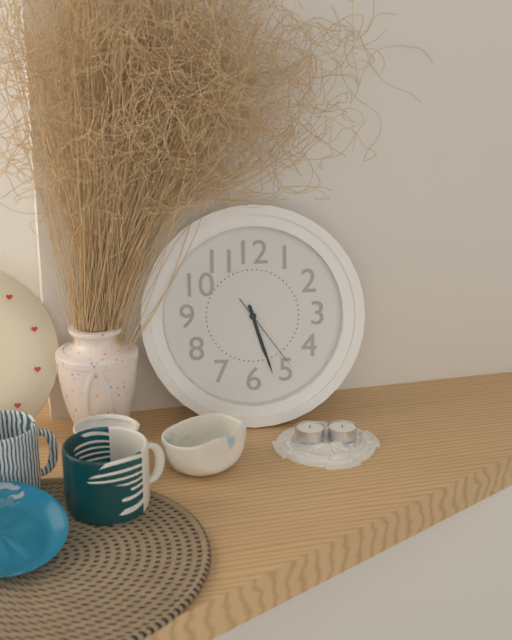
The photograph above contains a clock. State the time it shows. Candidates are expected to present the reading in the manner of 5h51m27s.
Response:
5h27m24s
